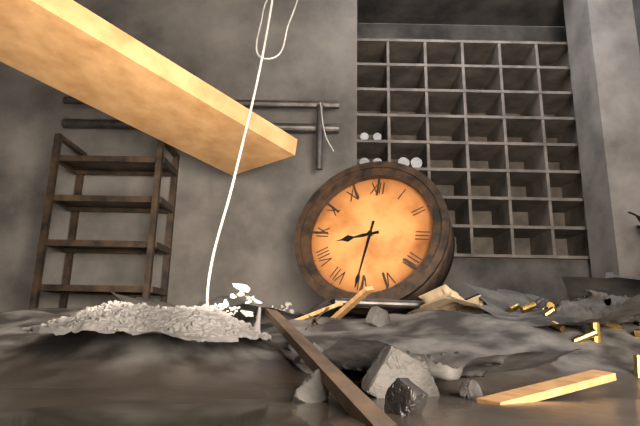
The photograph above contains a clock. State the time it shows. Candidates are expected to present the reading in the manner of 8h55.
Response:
8h31
